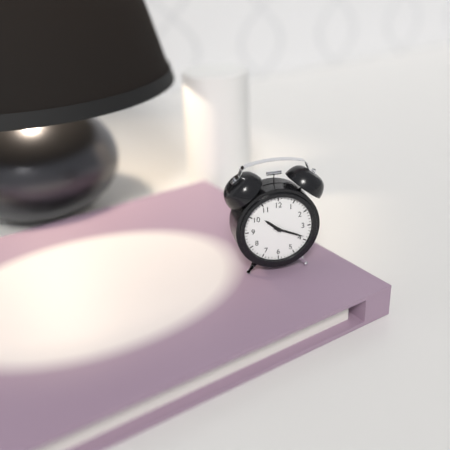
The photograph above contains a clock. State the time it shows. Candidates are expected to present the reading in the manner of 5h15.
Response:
10h19
